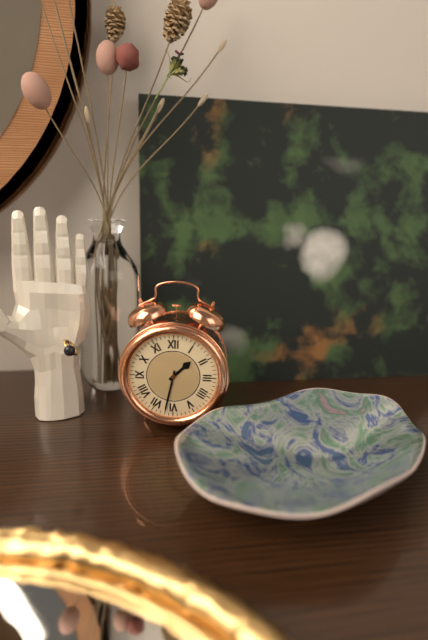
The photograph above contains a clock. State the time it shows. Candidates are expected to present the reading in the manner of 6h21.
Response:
1h32
